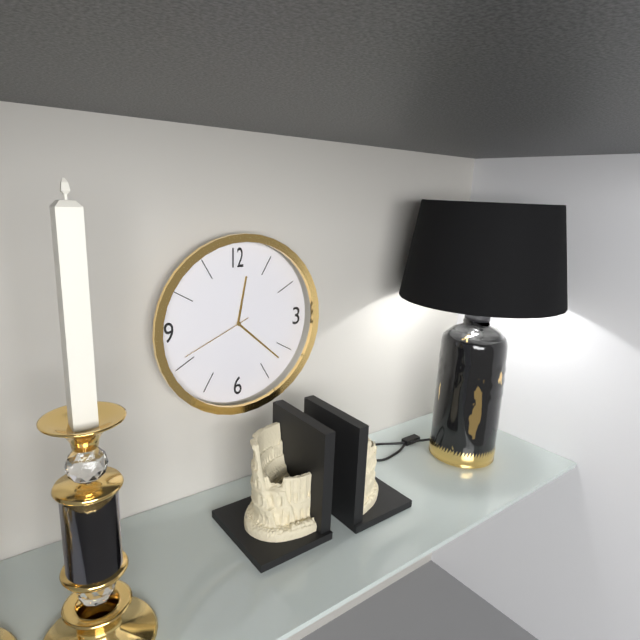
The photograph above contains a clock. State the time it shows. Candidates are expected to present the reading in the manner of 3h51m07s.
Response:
12h22m41s
